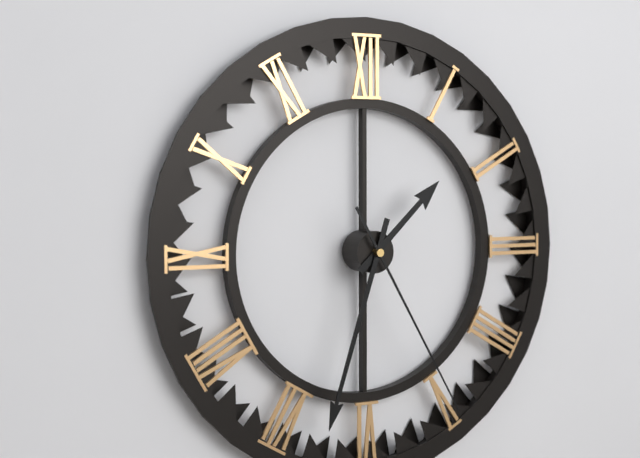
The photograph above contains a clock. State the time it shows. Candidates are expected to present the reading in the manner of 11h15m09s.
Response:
1h33m25s
